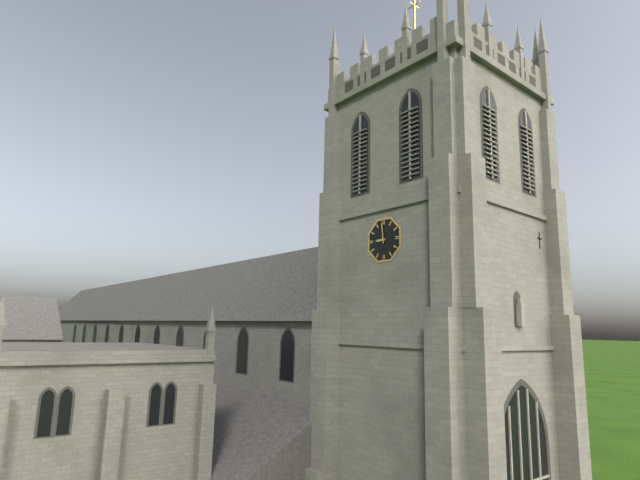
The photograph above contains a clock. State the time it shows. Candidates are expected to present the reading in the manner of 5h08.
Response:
8h59
